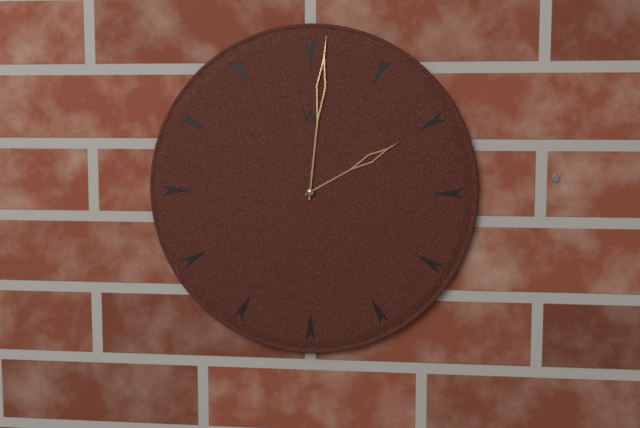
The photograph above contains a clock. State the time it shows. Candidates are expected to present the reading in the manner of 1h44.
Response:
2h01
